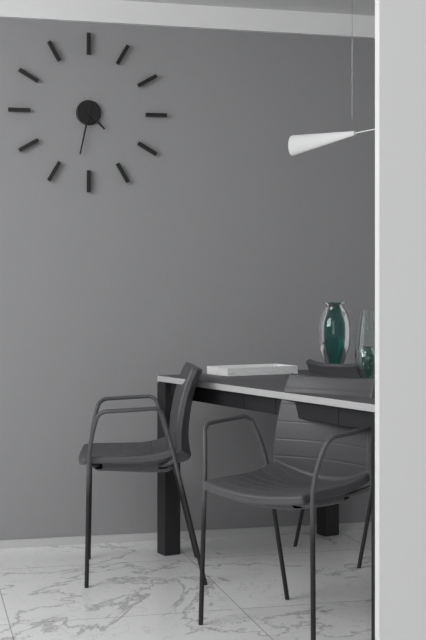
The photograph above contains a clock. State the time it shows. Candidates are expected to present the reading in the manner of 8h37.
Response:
4h32
